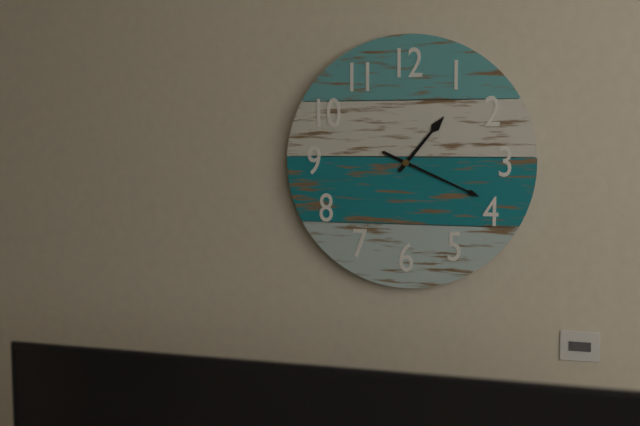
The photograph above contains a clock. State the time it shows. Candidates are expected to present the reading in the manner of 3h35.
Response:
1h19
